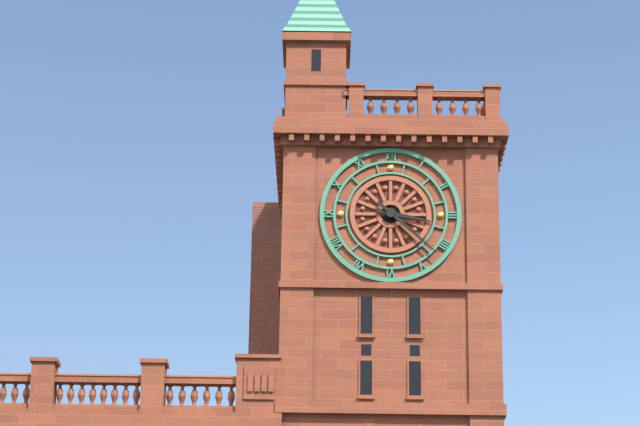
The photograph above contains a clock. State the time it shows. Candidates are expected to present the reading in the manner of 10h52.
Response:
3h22
